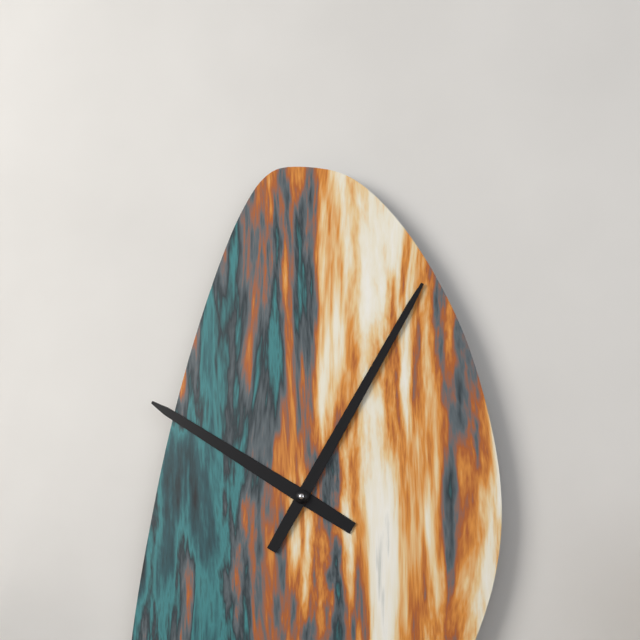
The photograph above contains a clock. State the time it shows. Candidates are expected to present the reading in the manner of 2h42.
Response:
10h05
